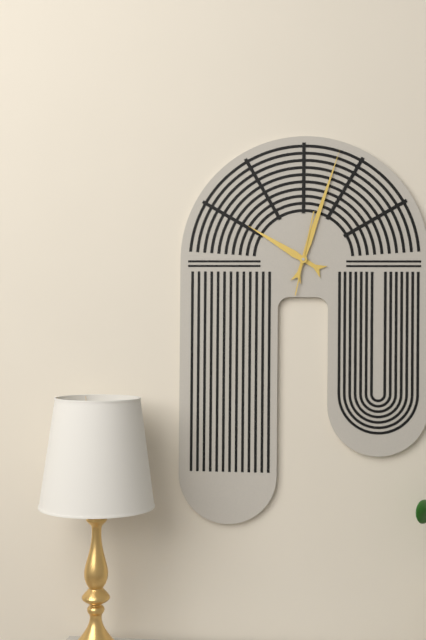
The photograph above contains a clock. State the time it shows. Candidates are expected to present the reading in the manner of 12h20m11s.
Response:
10h03m02s
